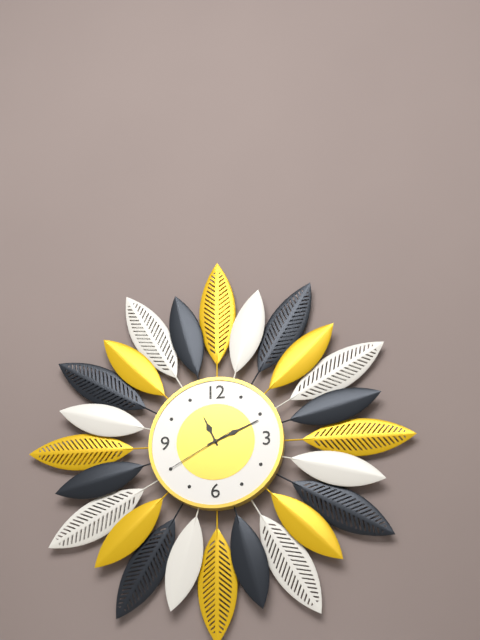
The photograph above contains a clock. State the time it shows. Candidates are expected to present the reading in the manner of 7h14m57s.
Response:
11h11m40s
